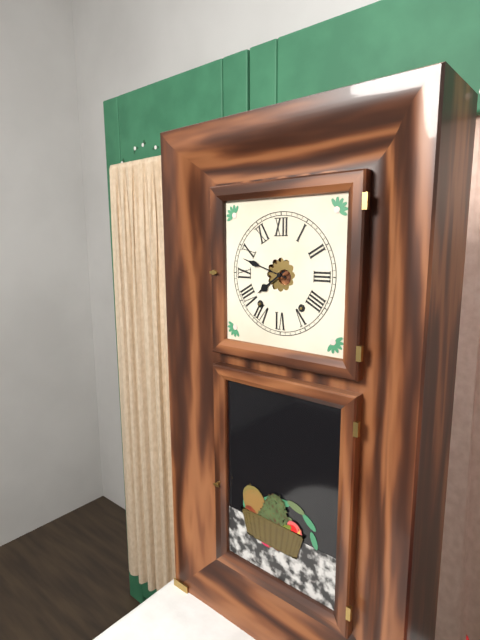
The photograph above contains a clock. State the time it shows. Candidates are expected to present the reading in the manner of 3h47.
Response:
7h48
